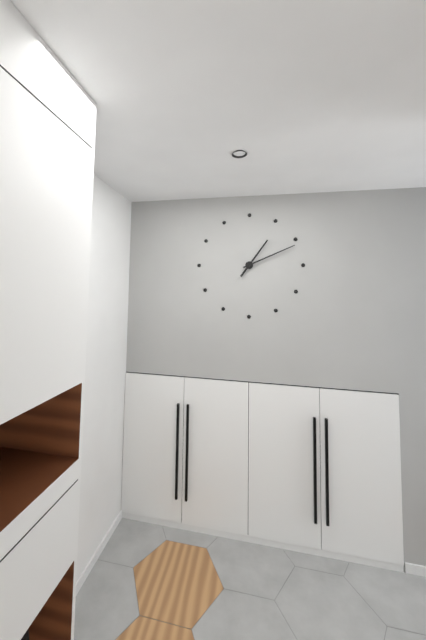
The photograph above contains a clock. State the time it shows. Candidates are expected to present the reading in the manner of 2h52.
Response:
1h11
